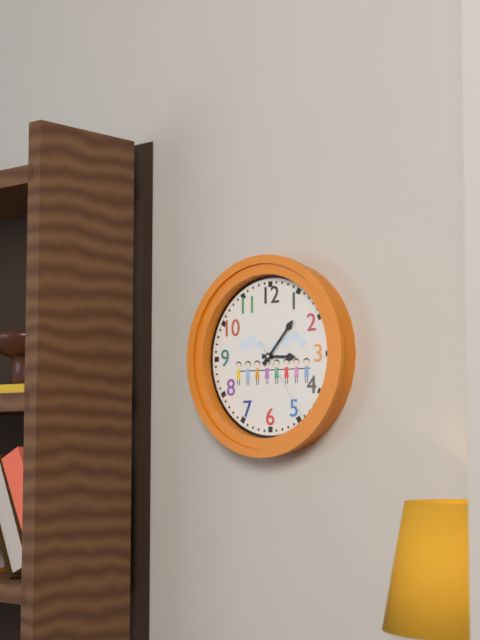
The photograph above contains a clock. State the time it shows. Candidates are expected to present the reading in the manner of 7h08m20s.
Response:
3h07m24s
